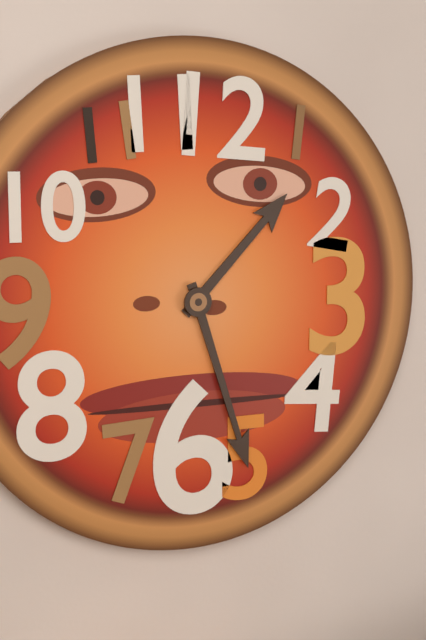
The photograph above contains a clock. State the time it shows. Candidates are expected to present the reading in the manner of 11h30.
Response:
1h27
